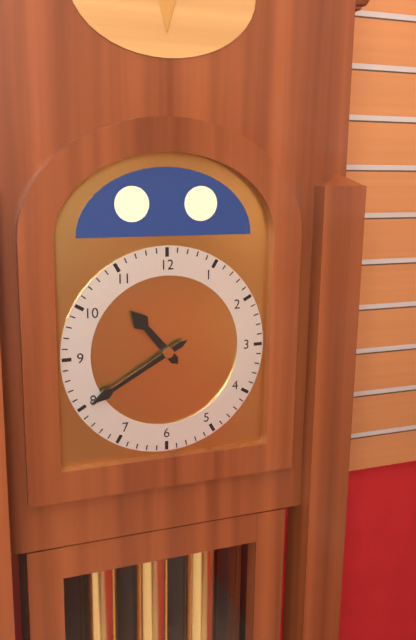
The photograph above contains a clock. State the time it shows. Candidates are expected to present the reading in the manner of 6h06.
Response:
10h40
